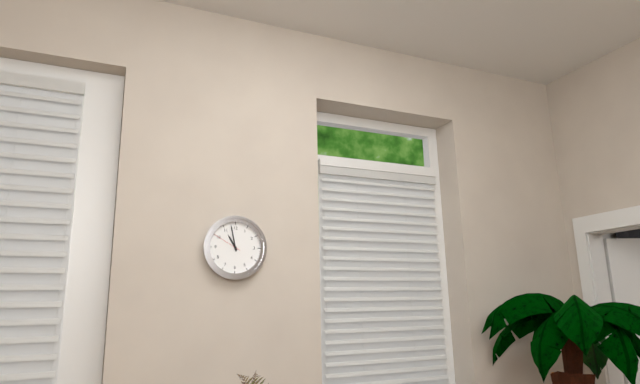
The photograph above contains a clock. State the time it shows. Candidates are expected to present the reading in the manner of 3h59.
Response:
10h58
